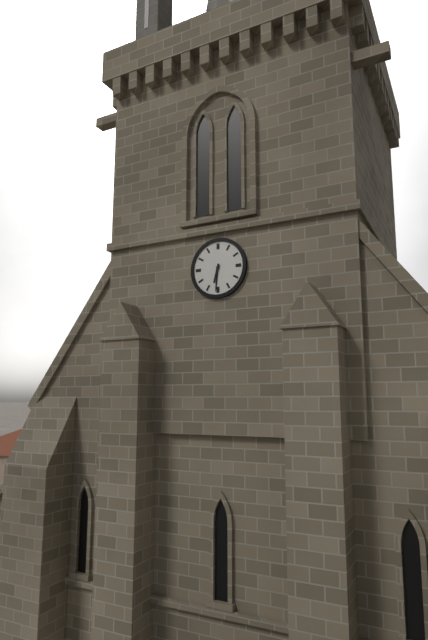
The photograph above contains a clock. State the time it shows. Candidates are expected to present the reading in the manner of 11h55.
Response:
6h31
